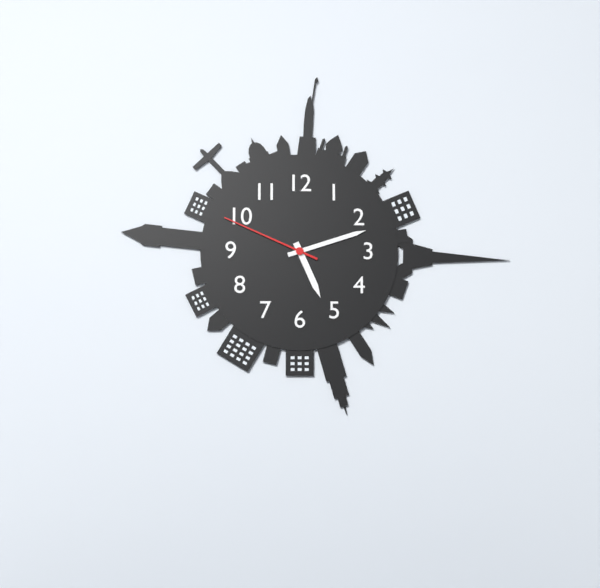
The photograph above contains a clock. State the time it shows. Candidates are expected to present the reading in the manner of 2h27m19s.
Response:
5h12m49s
